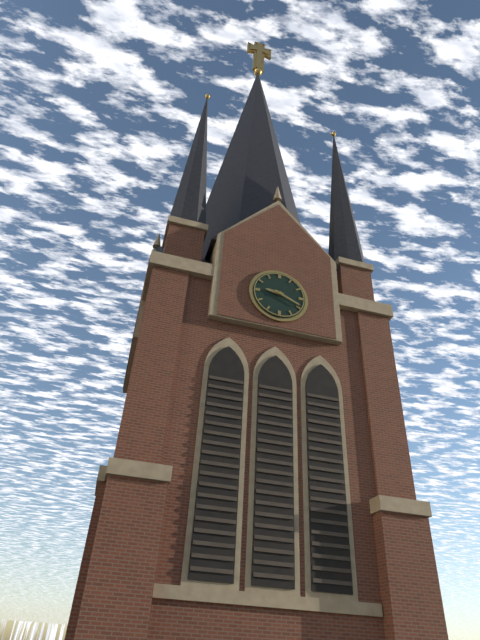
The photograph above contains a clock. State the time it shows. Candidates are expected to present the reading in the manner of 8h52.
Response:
9h19
